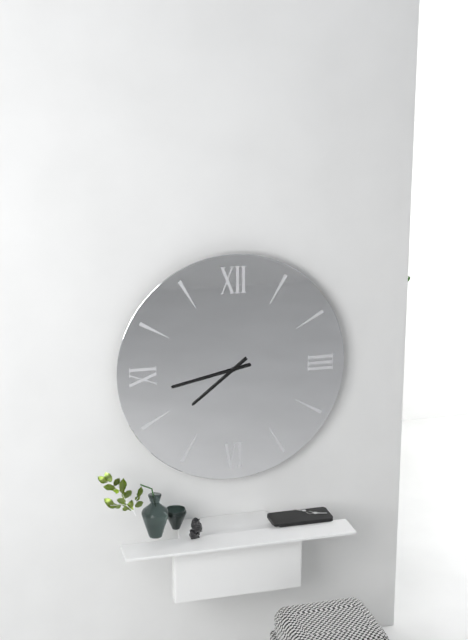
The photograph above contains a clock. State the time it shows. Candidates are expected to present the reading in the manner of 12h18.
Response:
7h43
